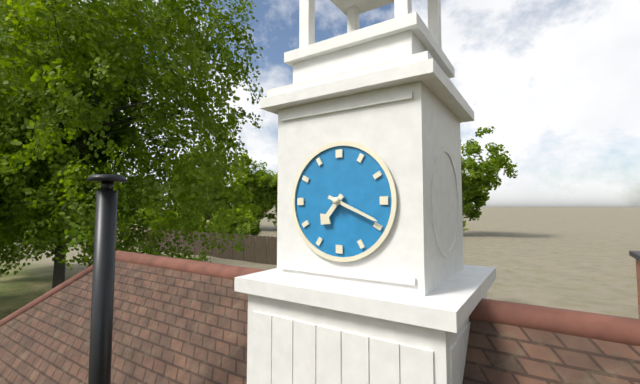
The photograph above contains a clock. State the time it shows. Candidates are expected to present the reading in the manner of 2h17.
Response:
7h19
